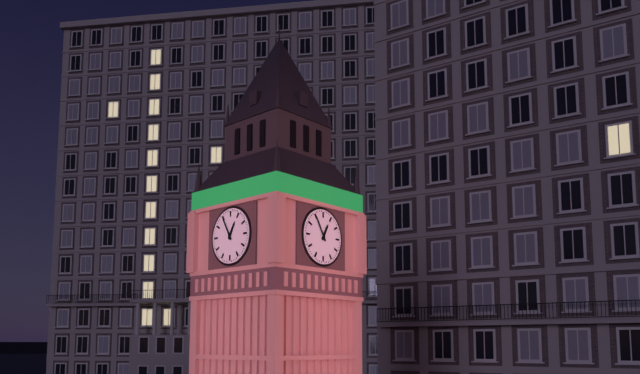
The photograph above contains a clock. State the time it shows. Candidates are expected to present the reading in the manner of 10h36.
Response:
12h55
